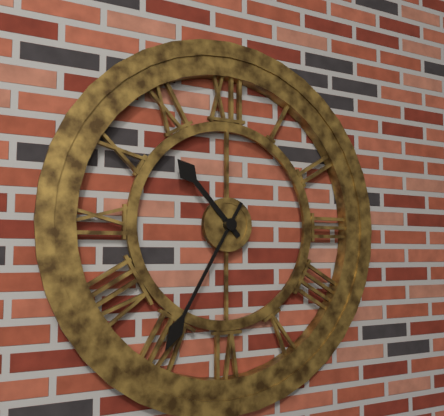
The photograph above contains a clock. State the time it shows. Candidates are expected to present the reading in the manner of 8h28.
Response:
10h35
